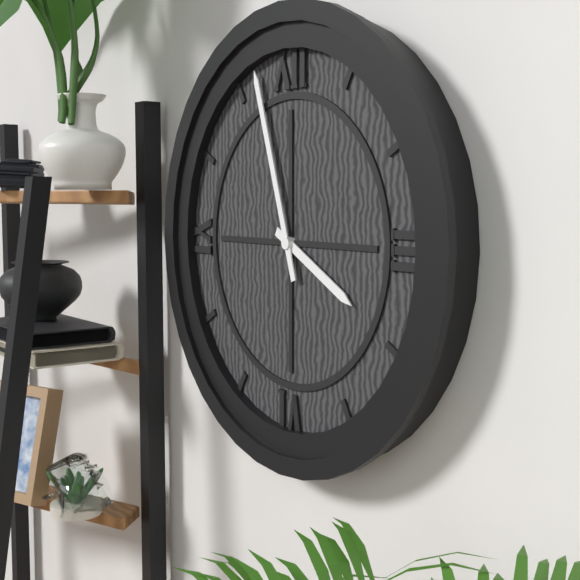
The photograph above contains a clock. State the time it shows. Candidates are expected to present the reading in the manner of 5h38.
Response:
3h57
